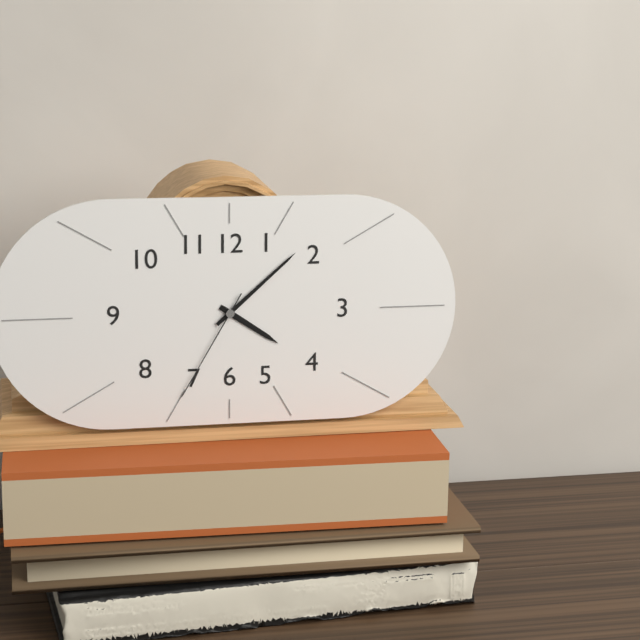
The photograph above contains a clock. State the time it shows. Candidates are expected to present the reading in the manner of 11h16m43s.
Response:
4h08m35s
